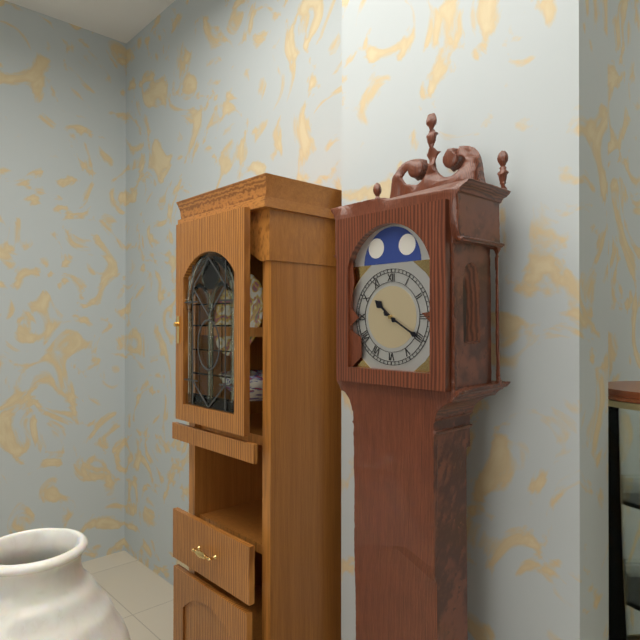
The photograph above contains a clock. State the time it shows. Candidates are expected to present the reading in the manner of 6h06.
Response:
10h20
